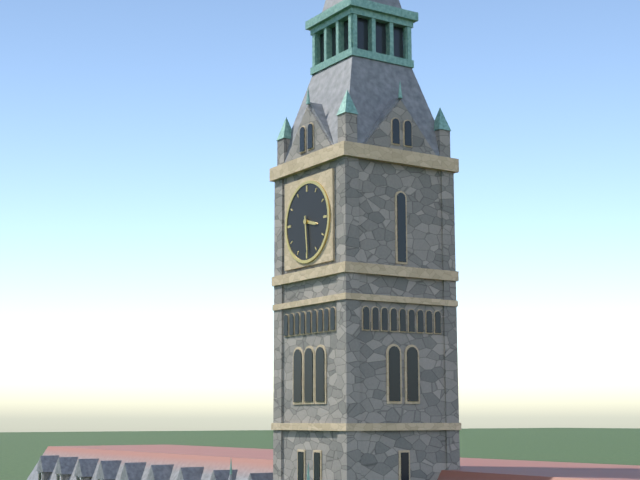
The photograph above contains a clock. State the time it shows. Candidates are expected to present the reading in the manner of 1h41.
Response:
3h29
